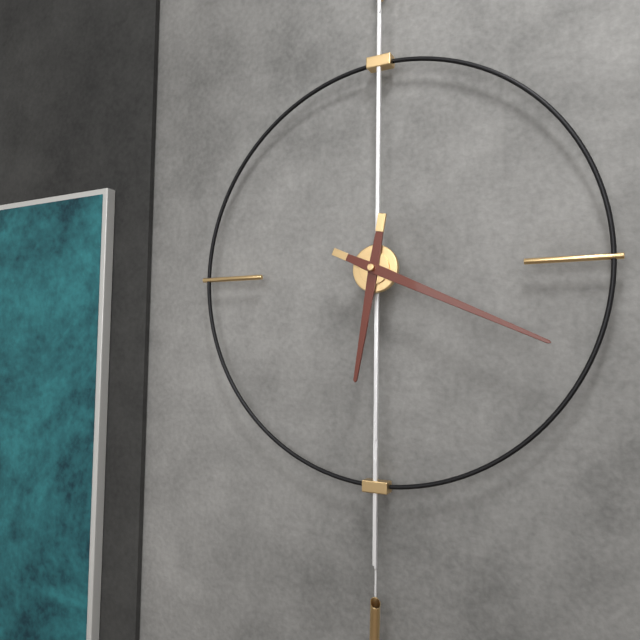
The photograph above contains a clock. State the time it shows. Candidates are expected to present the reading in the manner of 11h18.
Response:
6h19
